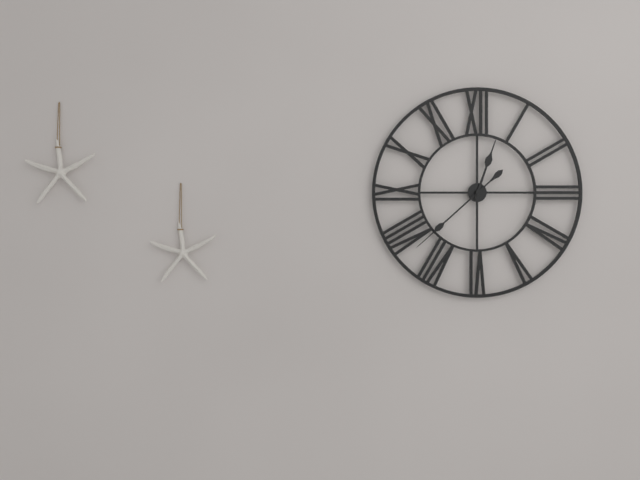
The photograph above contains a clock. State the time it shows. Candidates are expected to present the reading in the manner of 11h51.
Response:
12h38
